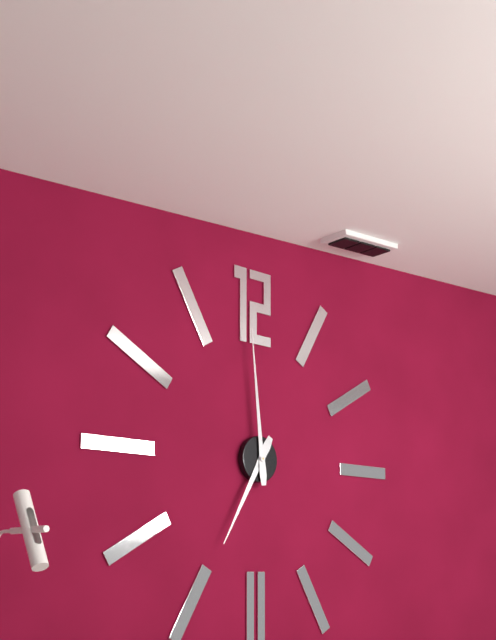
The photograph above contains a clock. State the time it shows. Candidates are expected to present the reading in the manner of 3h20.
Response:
6h59
